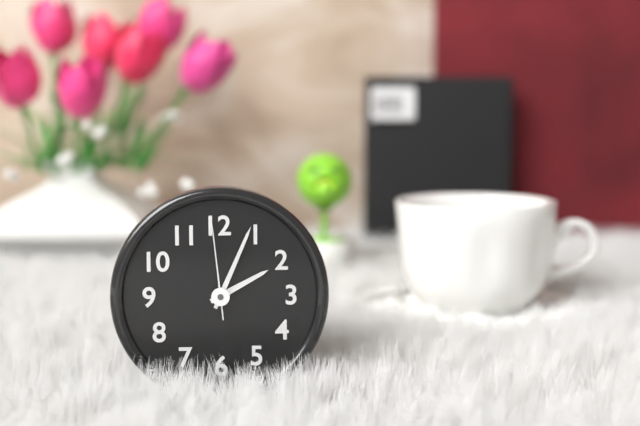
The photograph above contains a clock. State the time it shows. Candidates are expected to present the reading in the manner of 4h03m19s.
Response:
2h04m59s
